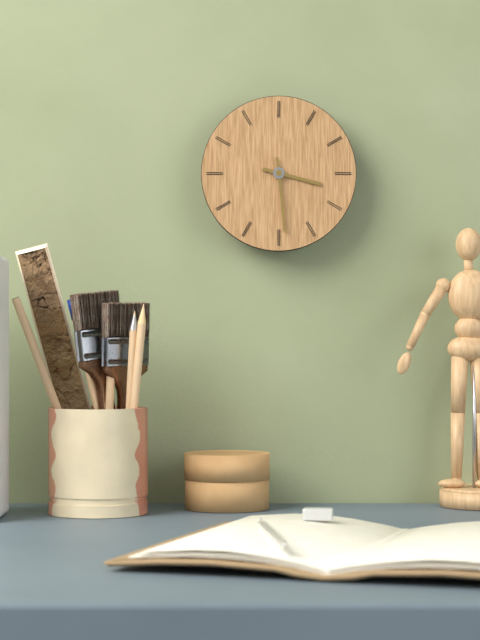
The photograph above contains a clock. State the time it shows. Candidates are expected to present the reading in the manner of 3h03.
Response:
3h29
